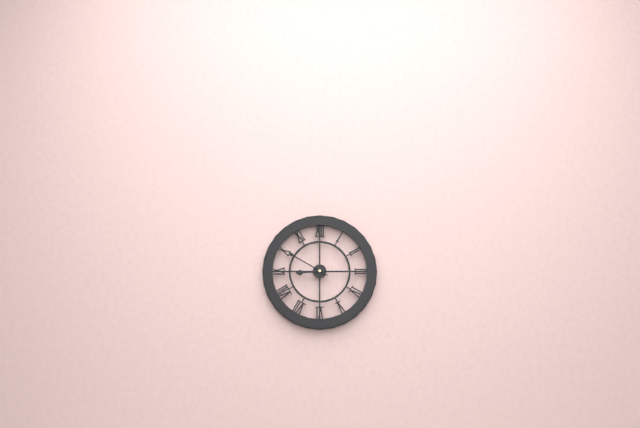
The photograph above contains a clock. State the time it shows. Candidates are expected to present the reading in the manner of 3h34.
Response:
8h50
